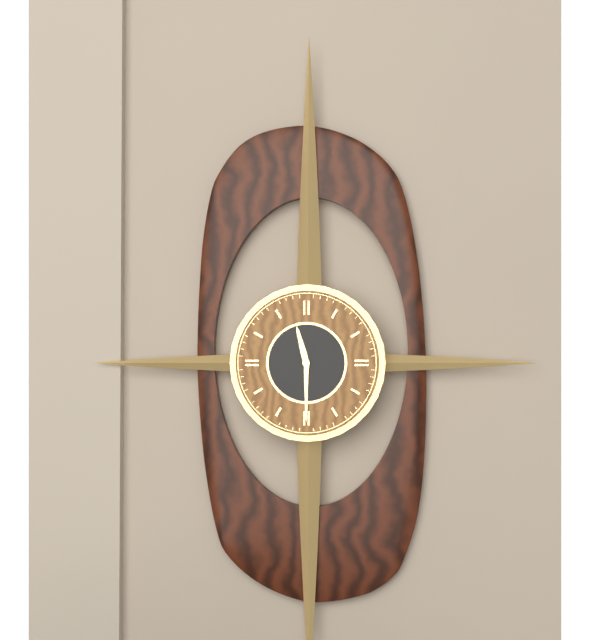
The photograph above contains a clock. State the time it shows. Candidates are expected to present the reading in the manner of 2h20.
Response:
11h30
